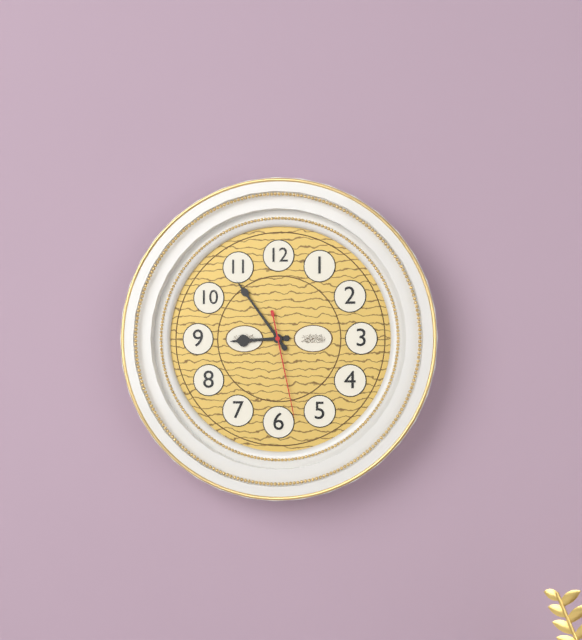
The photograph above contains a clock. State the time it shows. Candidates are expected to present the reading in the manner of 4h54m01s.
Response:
8h54m28s
